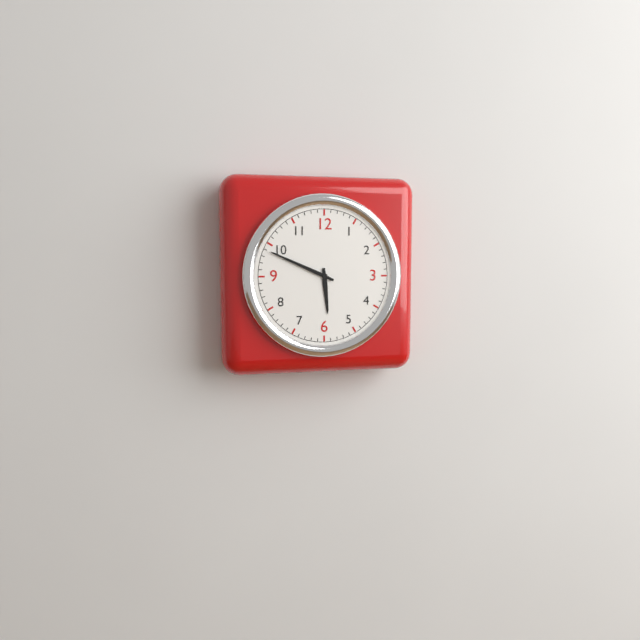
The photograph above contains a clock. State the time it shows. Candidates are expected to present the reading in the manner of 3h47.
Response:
5h49
